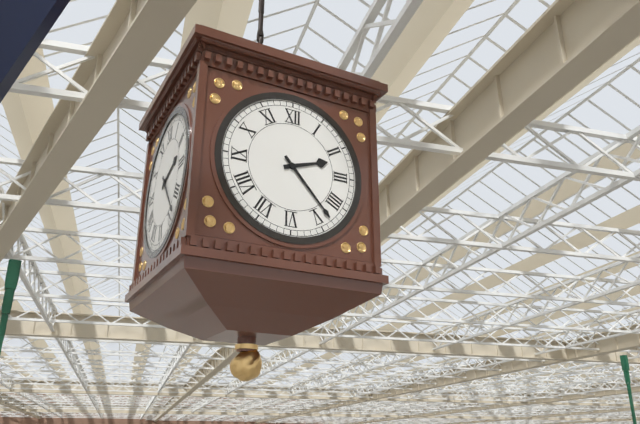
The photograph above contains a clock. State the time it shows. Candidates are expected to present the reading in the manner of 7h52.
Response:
2h23
